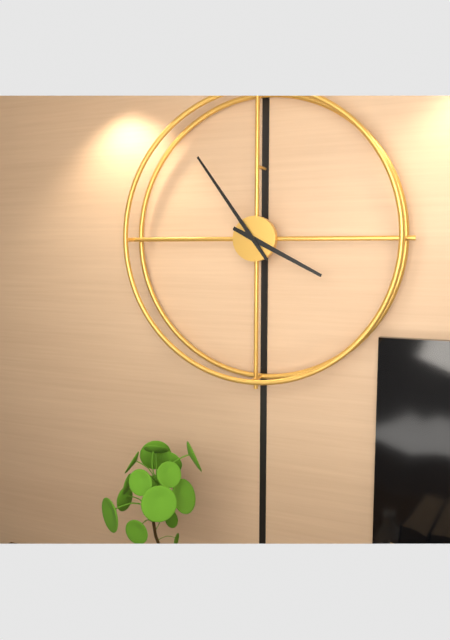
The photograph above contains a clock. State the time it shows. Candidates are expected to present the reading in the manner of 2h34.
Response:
3h54
